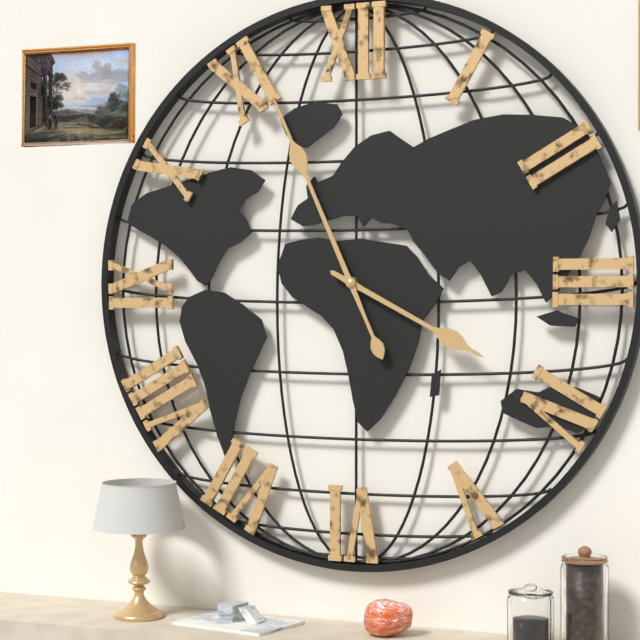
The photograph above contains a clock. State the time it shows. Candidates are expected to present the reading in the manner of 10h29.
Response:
3h56
